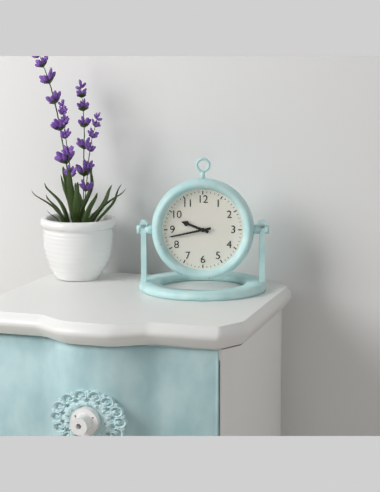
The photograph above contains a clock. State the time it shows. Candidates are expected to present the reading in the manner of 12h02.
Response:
9h43
